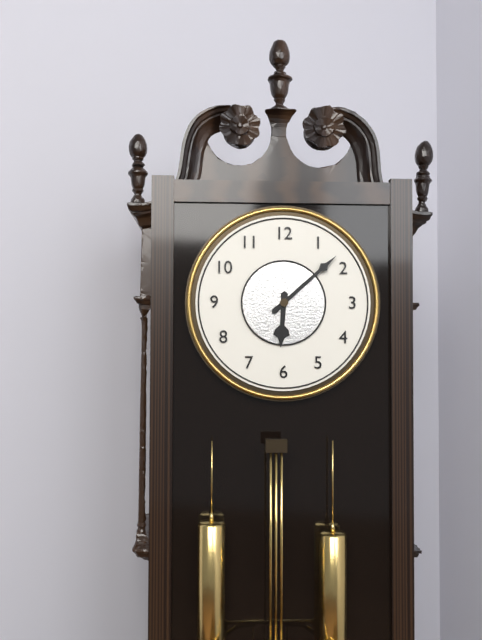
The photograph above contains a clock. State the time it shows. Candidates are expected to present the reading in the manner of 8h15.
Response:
6h08
